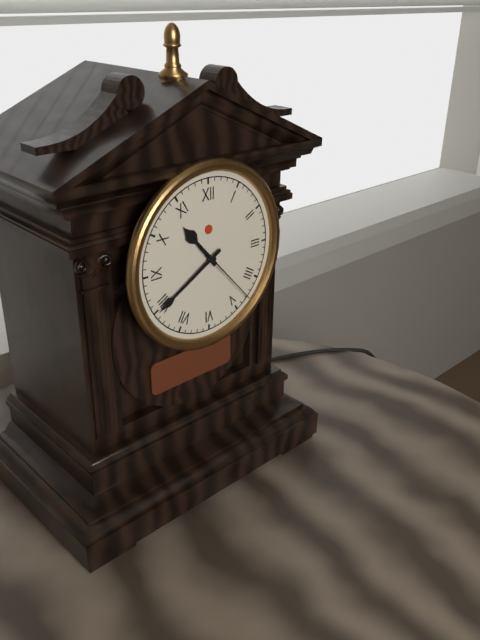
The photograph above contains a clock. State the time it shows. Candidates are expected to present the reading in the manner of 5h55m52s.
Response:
10h40m23s
